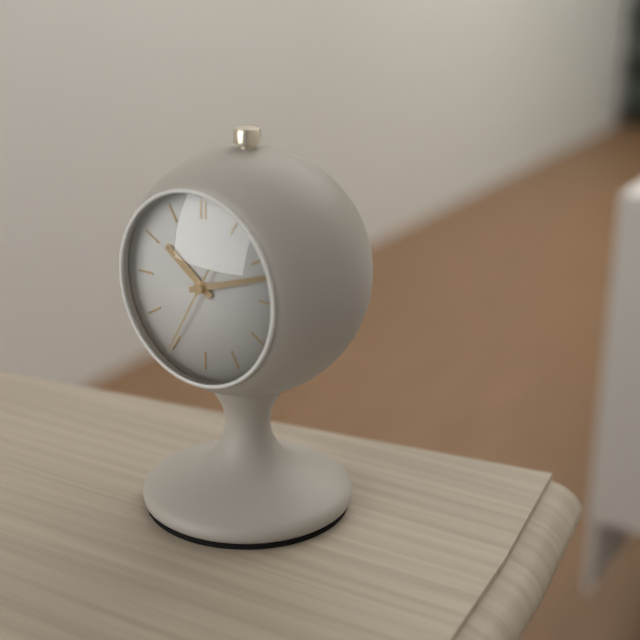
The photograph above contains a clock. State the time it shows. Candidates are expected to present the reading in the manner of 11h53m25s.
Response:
10h12m35s
